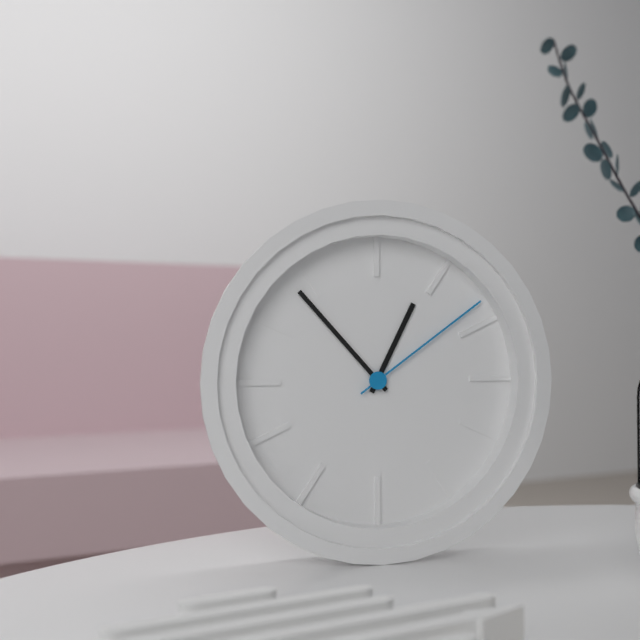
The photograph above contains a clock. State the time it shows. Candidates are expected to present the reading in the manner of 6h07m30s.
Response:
12h53m09s
